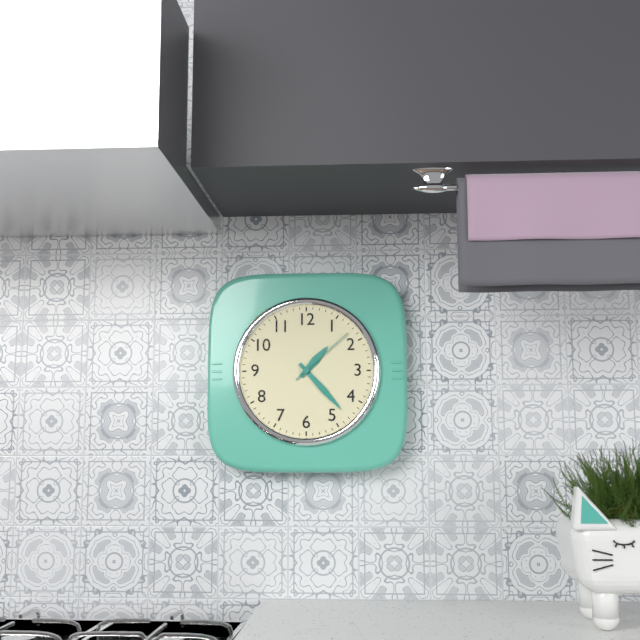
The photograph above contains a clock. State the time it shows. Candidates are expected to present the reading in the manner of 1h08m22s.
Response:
1h23m08s
